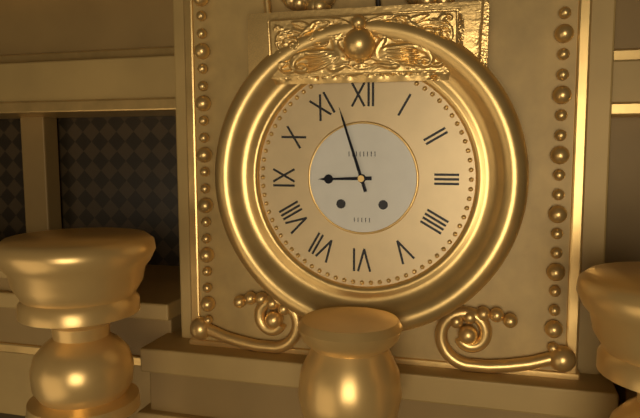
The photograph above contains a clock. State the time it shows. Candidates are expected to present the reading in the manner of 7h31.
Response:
8h57
